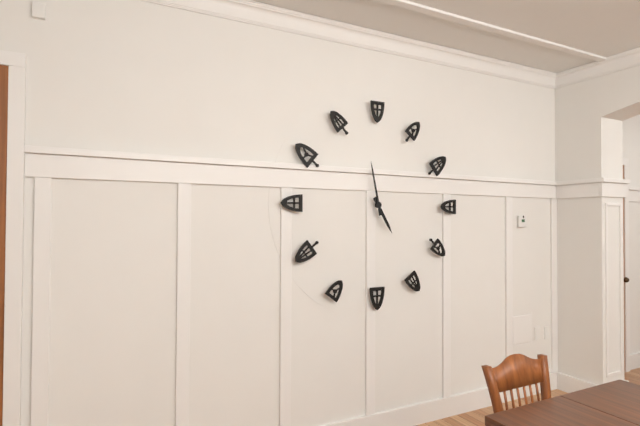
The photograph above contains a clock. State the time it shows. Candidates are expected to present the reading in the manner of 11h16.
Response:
4h58
